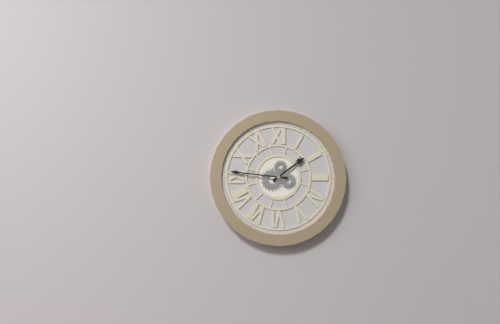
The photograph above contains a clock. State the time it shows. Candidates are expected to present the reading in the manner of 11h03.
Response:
1h46
